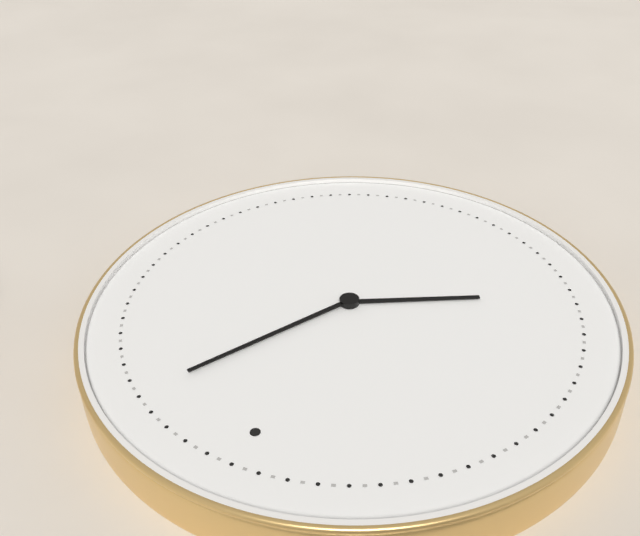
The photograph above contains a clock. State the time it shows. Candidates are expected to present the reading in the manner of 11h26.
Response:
8h05
